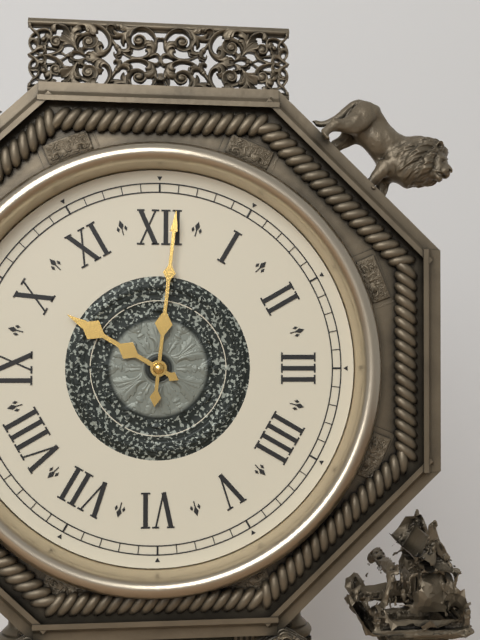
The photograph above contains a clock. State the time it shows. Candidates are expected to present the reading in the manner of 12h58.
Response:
10h01
